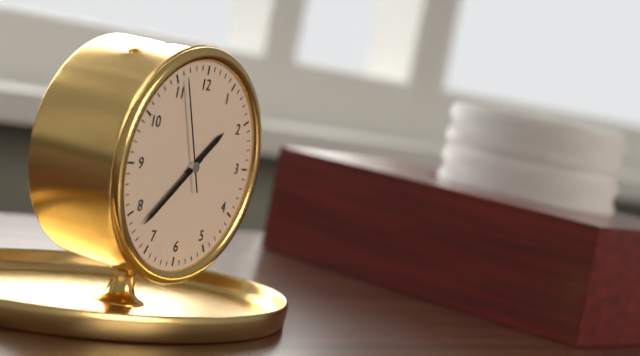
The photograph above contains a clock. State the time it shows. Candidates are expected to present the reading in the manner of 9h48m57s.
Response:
1h38m56s
